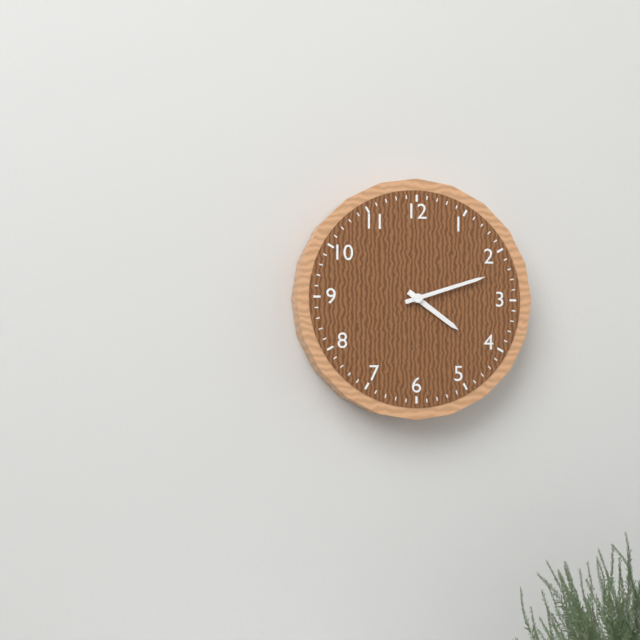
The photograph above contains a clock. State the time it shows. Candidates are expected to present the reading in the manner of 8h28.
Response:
4h12
